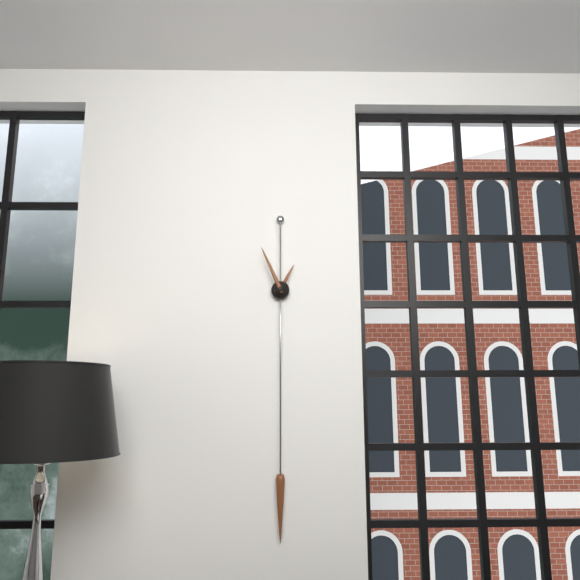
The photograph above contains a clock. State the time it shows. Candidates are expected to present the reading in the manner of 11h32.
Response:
12h56
